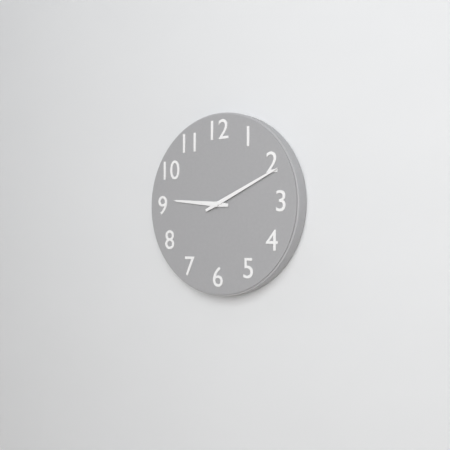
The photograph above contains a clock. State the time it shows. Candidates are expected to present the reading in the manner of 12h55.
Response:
9h11
